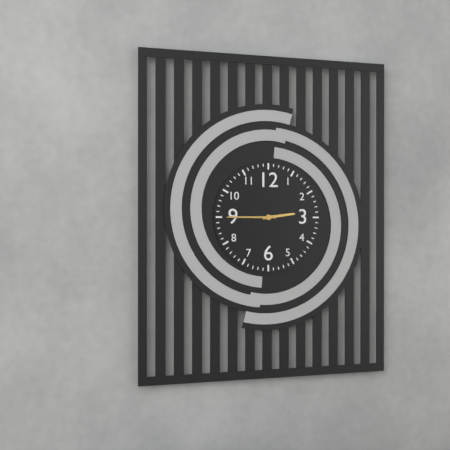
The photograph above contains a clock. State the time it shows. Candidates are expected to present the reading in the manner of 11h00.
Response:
2h45
